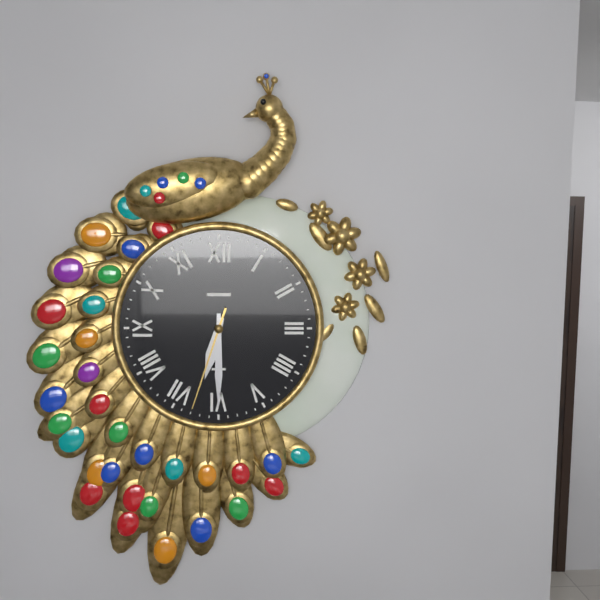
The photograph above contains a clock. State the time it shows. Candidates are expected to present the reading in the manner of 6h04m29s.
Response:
6h30m33s
